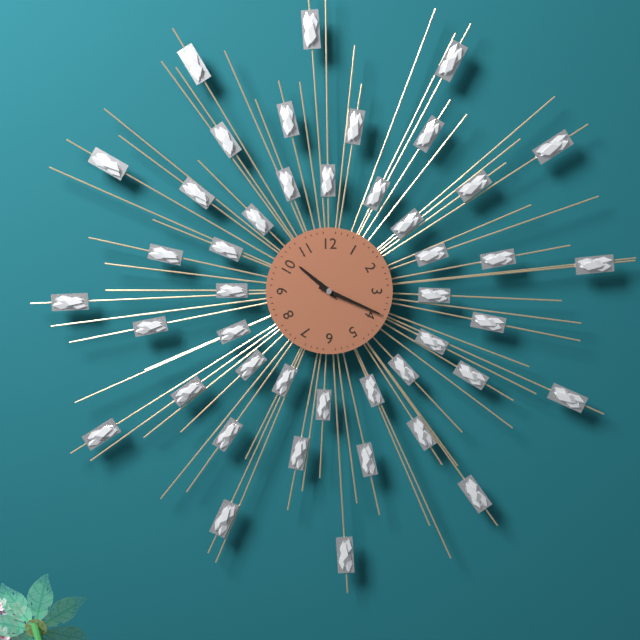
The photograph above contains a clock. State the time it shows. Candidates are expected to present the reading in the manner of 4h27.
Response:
10h19
